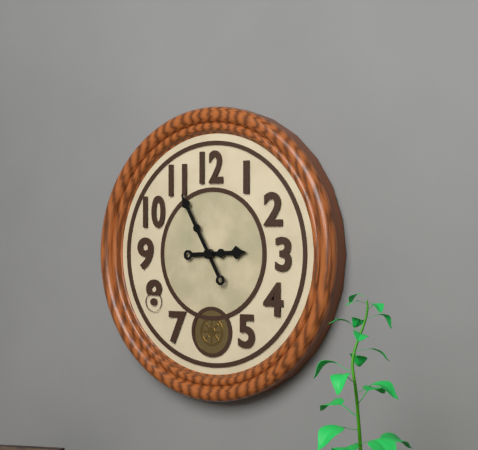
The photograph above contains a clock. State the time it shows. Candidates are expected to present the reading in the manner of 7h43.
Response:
2h55
